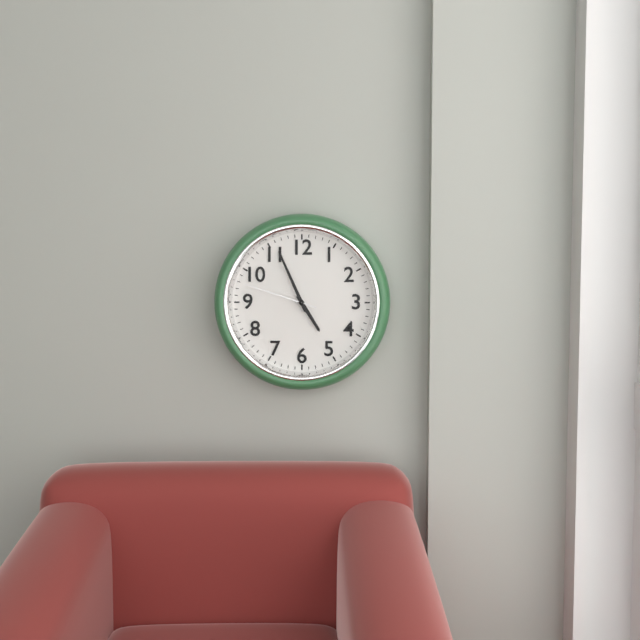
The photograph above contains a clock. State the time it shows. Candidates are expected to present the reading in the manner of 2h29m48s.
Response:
4h56m48s
